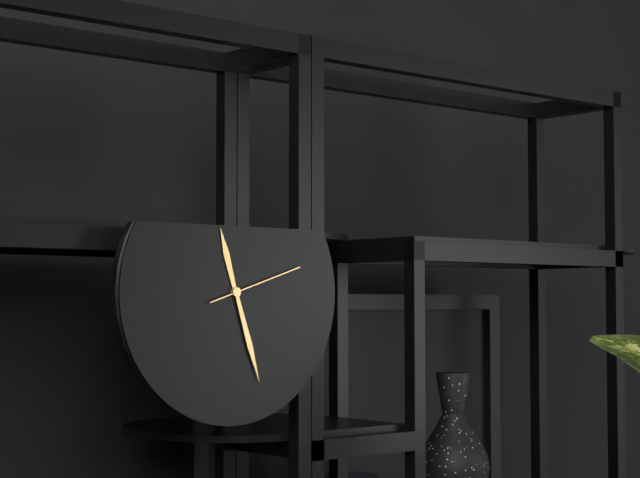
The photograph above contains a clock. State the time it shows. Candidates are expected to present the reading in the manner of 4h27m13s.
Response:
11h27m12s
